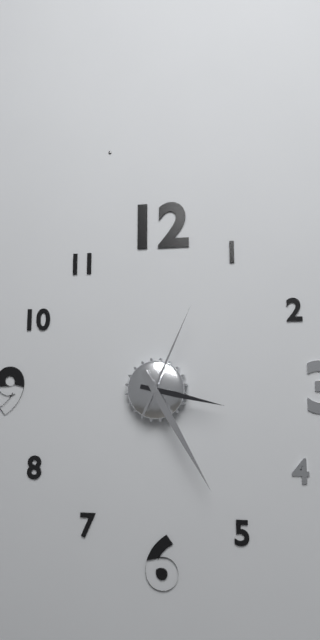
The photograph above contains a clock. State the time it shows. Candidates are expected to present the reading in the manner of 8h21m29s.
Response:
3h25m04s
